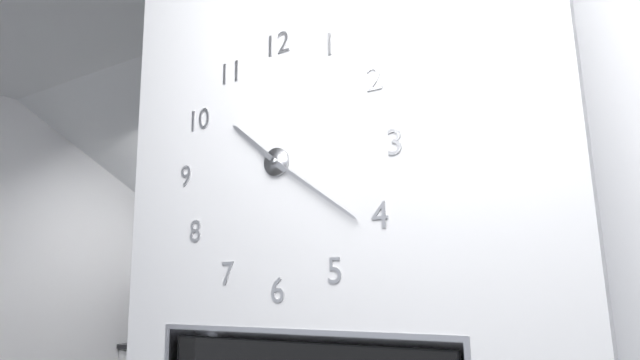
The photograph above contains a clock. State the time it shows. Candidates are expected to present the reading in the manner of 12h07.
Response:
10h21
